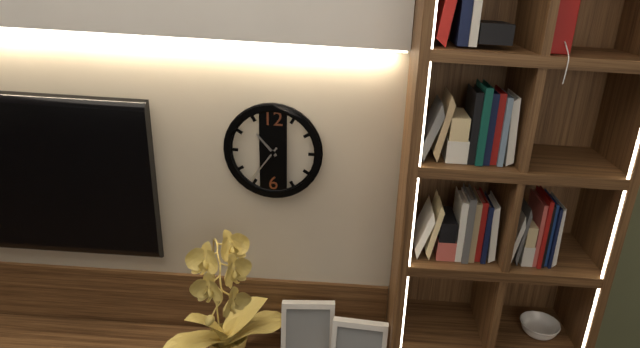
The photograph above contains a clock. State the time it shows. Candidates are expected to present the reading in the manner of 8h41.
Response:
10h36
